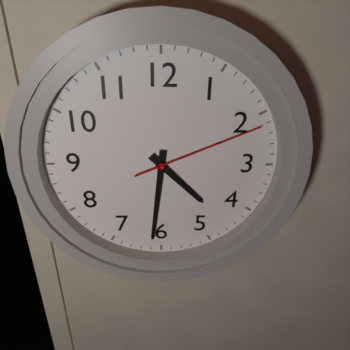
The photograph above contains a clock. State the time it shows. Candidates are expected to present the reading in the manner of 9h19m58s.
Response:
4h31m11s
